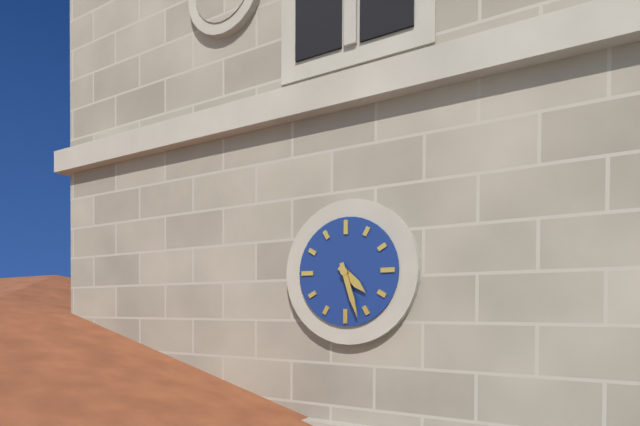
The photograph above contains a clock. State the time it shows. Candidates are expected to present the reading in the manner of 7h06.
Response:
4h27
